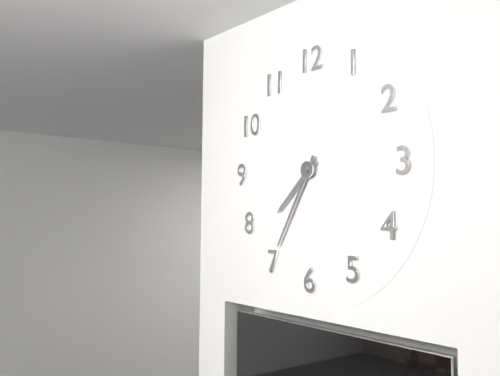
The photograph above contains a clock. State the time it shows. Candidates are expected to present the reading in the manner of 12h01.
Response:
7h35
